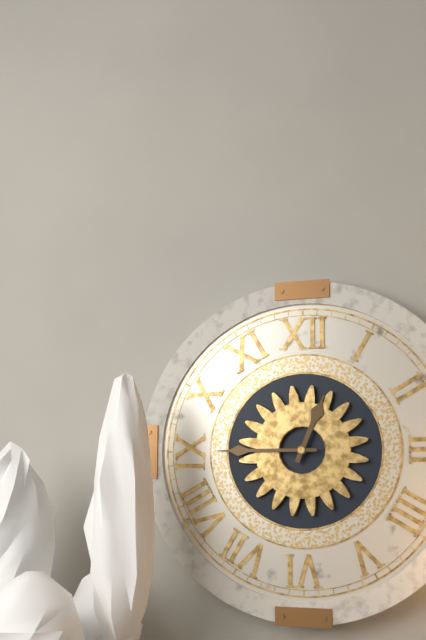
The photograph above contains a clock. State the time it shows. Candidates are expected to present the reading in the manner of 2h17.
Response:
12h45
